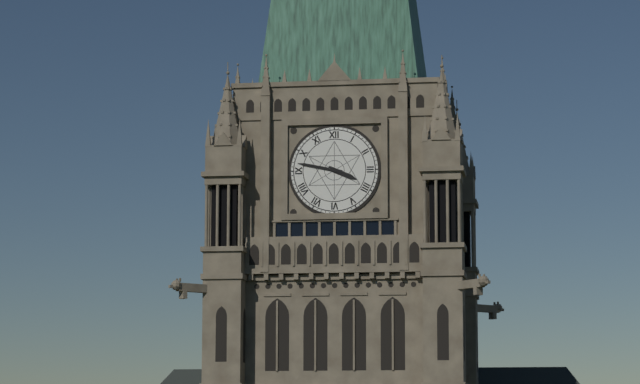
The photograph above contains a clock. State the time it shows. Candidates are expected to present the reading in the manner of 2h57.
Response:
3h47
